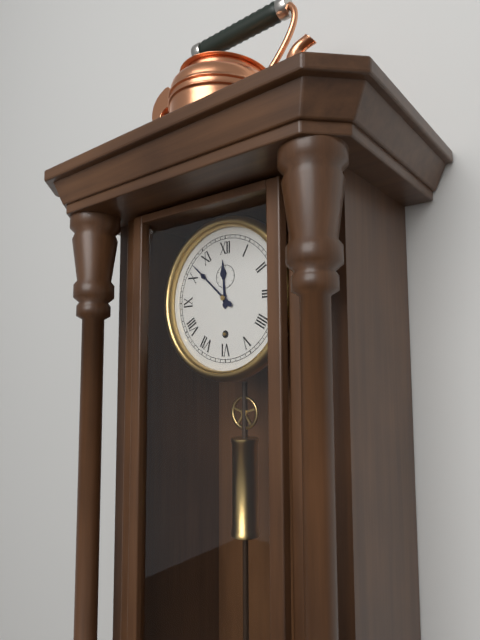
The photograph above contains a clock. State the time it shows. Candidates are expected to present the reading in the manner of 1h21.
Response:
11h52
